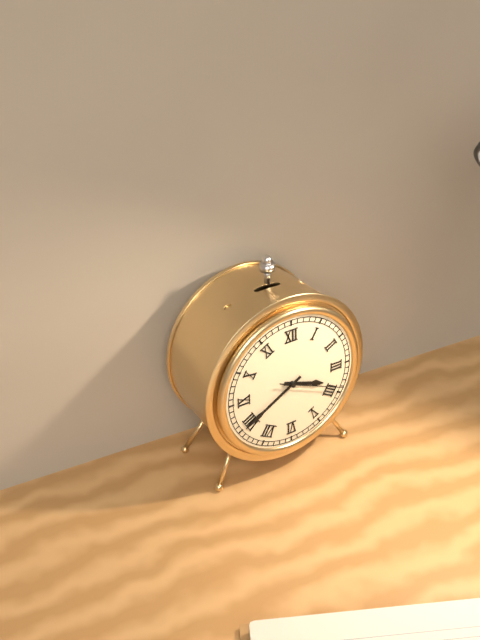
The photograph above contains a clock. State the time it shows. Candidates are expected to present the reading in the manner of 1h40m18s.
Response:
3h40m19s
